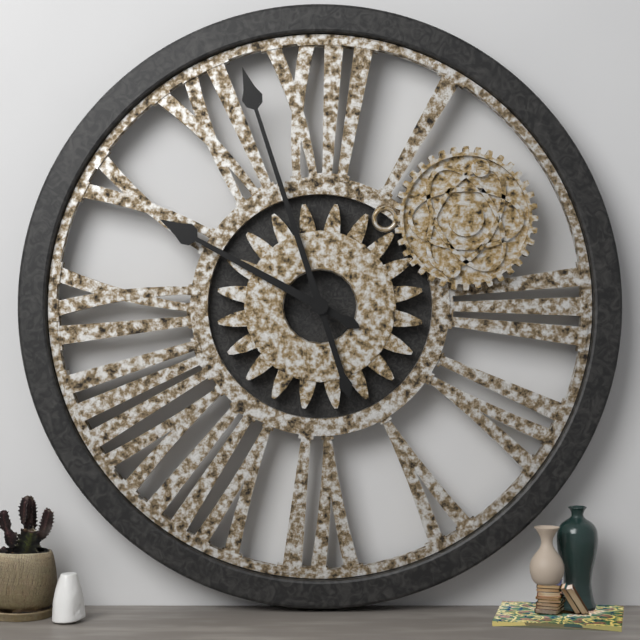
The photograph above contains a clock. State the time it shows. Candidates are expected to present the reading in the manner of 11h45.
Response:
9h57
